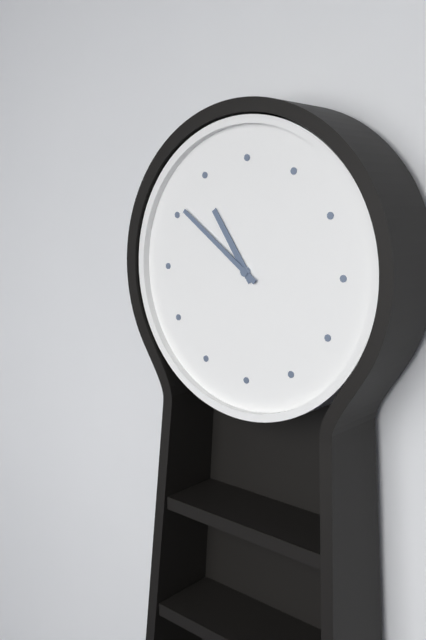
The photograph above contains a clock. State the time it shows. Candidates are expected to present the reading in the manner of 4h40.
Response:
10h51
